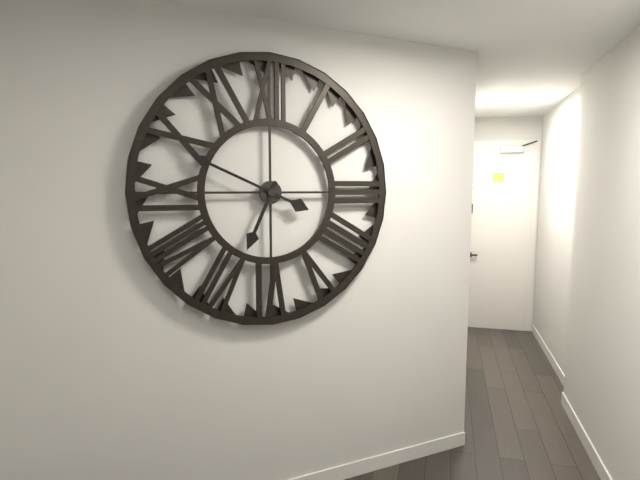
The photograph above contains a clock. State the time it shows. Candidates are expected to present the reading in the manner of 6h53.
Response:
6h49
